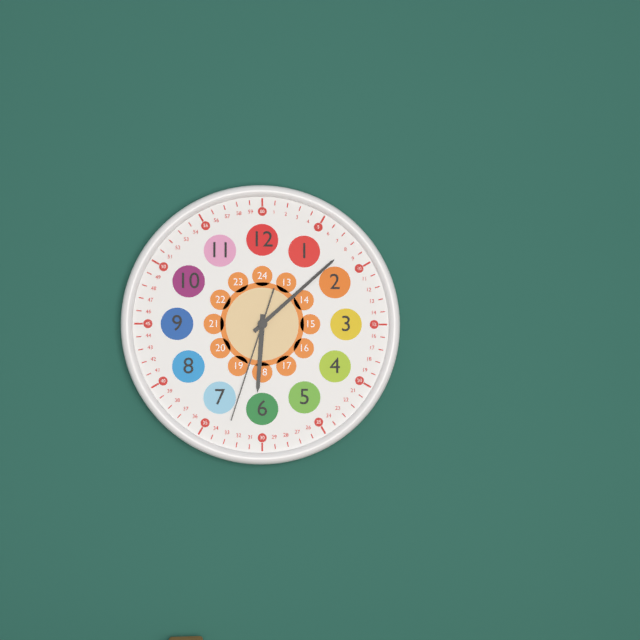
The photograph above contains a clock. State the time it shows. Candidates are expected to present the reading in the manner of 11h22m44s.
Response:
6h08m33s
